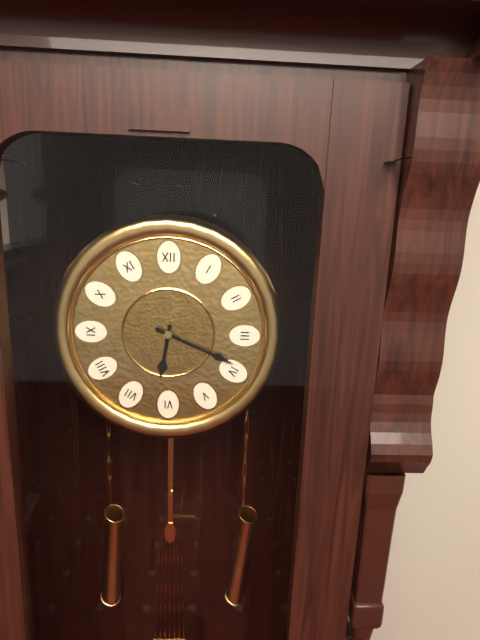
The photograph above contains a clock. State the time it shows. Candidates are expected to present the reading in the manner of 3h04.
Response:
6h19
